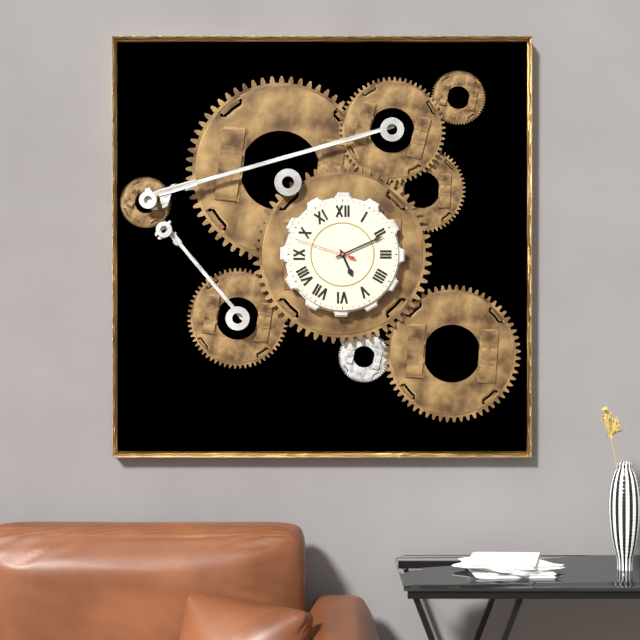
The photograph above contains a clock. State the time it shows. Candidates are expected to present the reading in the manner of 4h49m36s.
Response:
5h11m48s
